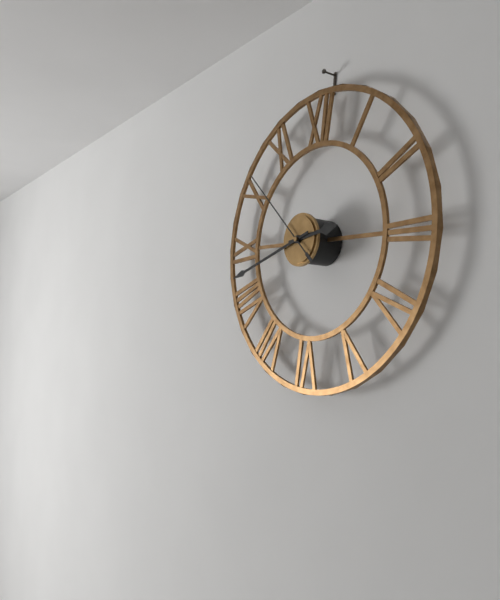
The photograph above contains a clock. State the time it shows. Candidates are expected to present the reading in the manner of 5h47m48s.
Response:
2h42m52s
